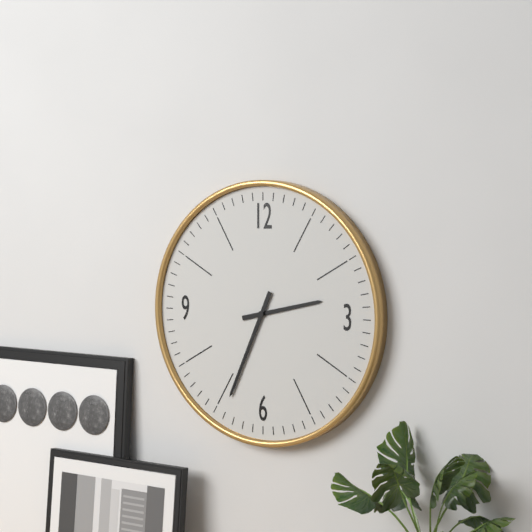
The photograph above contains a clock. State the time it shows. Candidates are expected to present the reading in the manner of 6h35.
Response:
2h34
